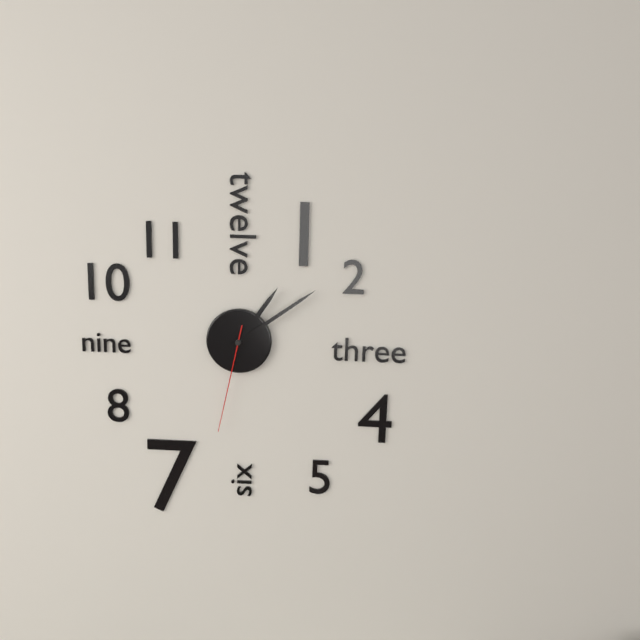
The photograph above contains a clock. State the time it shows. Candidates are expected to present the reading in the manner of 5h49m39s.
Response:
1h09m32s
